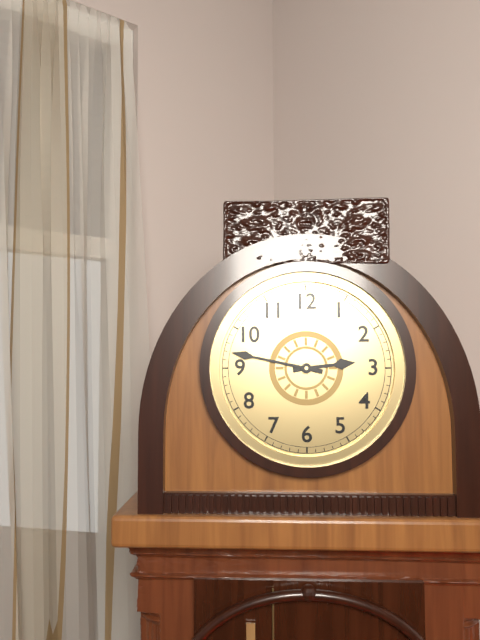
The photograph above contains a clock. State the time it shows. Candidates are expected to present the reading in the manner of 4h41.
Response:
2h47
